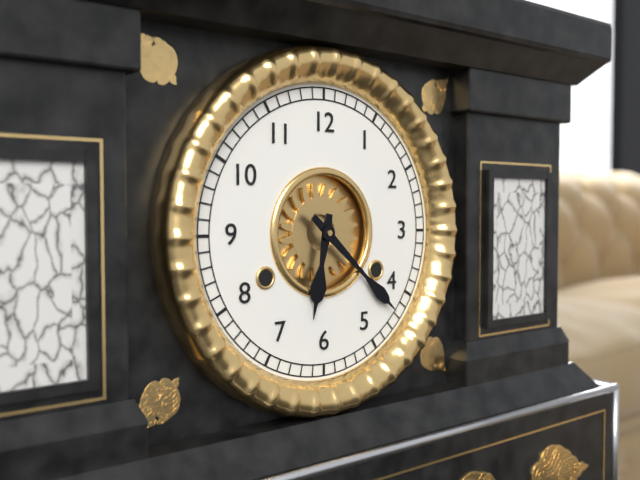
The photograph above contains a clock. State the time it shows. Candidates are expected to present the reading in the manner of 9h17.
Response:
6h22
